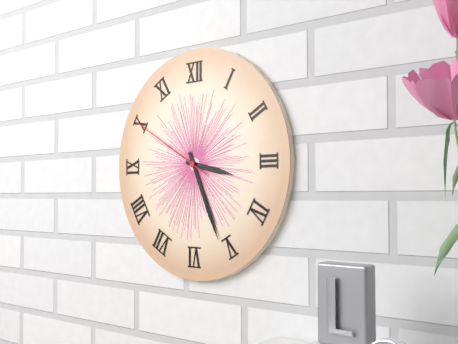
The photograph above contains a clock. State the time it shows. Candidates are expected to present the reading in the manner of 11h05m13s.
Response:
3h26m50s
